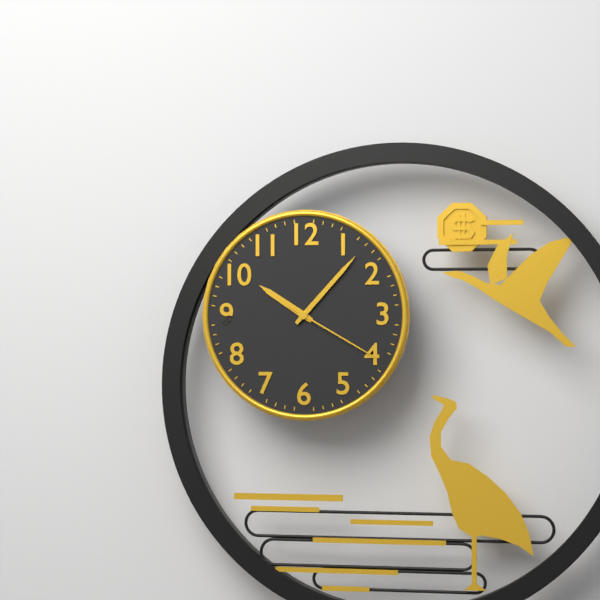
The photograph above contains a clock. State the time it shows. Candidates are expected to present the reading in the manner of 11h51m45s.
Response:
10h07m20s
